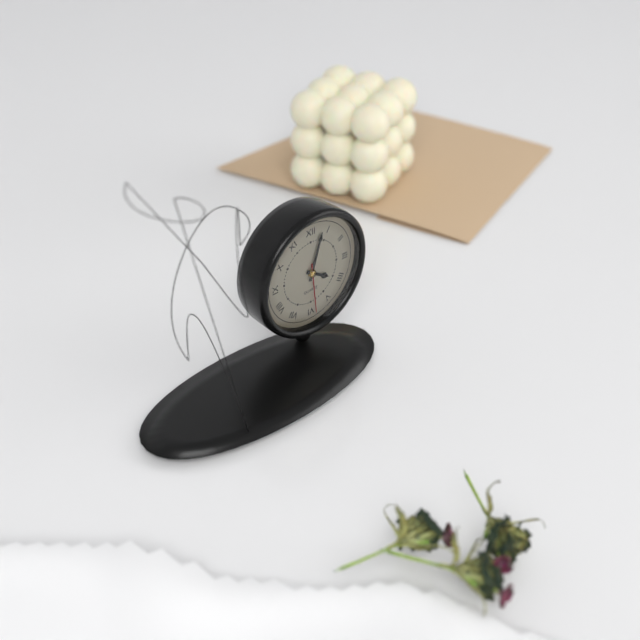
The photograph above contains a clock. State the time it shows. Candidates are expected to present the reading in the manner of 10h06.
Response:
4h03
